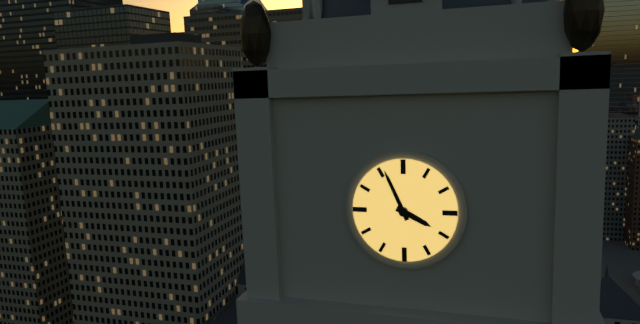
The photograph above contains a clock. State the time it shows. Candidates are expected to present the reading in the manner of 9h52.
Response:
3h56
